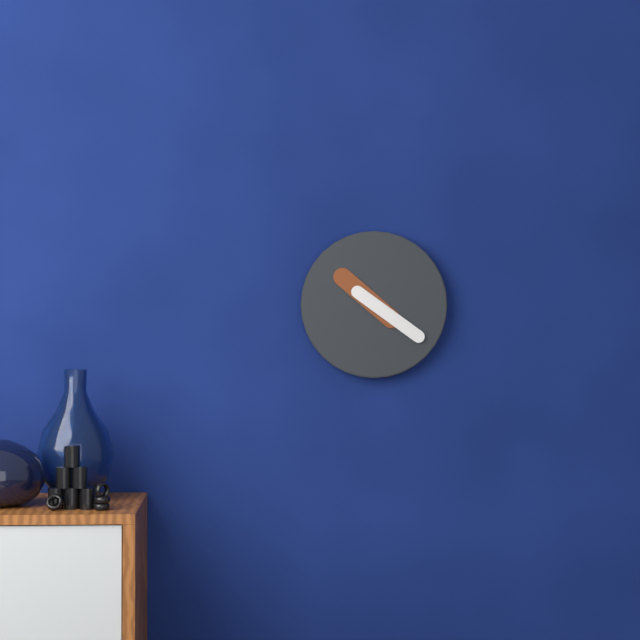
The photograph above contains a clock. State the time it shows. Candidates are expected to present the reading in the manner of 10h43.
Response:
10h21
